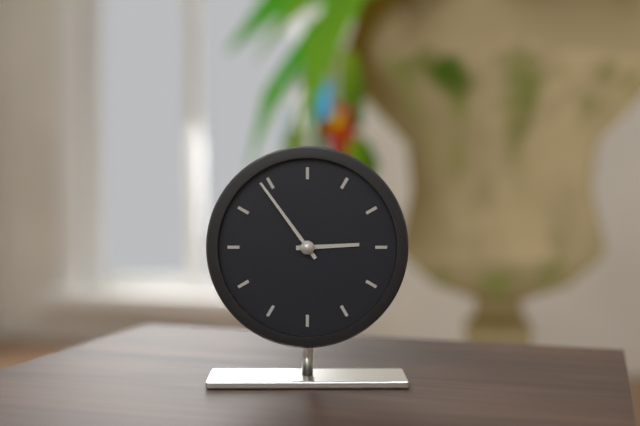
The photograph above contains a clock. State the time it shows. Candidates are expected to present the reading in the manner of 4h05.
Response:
2h54
